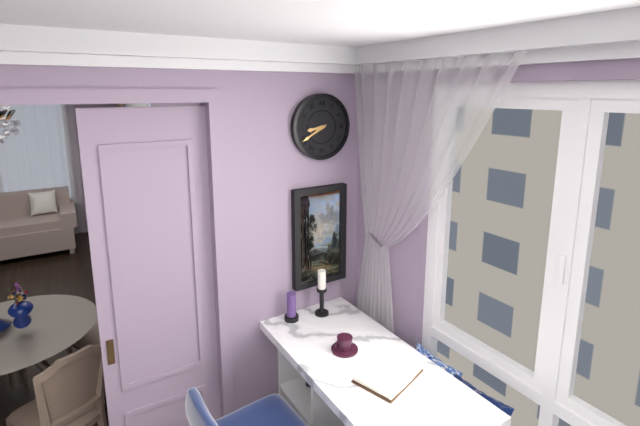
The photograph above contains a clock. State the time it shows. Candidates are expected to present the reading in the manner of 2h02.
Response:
8h40
